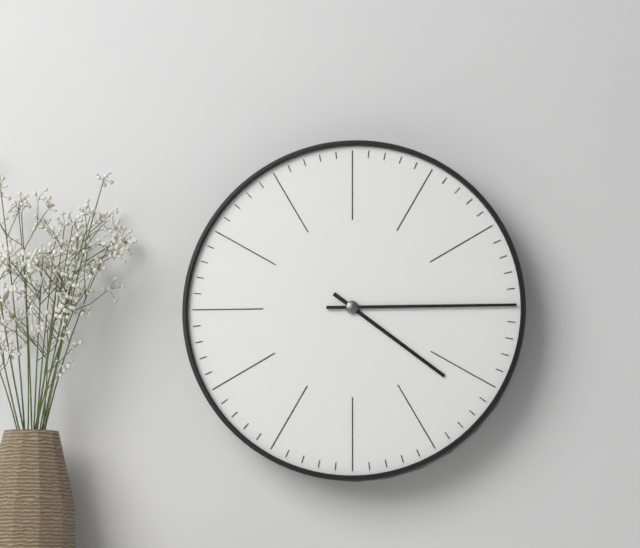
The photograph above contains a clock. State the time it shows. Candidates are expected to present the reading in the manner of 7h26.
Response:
4h15
